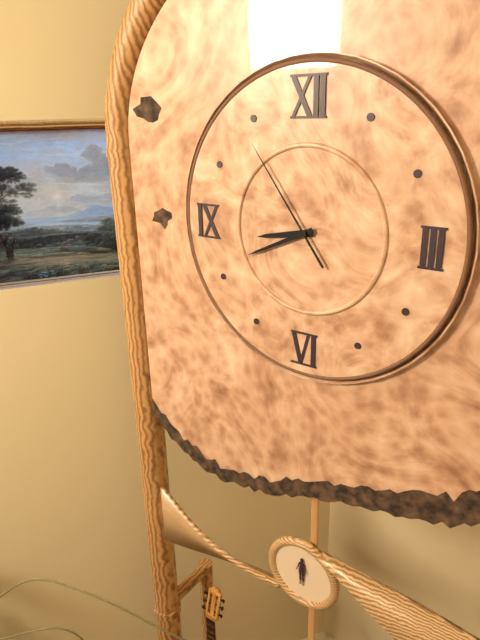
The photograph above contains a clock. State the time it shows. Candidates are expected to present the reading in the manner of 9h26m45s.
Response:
8h41m54s
